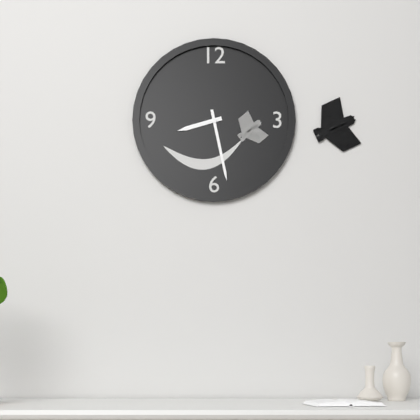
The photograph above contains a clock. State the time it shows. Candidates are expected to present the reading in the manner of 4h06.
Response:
8h28
